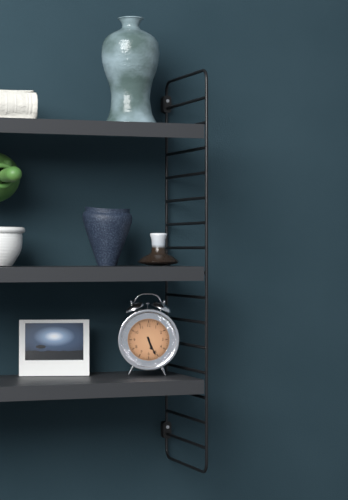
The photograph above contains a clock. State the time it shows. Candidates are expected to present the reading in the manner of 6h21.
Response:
5h26
